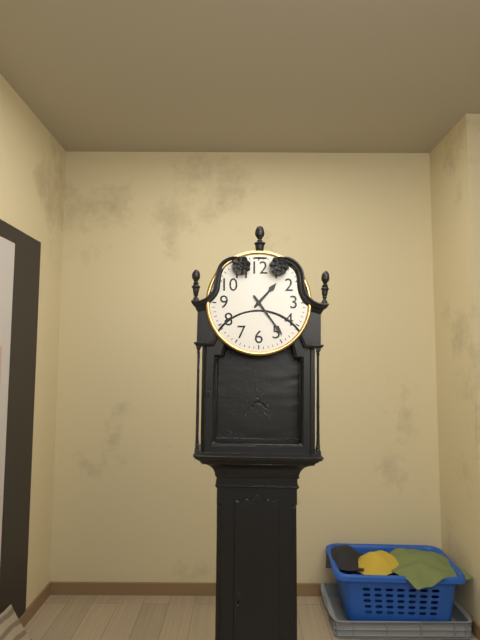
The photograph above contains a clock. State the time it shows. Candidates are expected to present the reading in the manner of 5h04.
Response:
1h24
